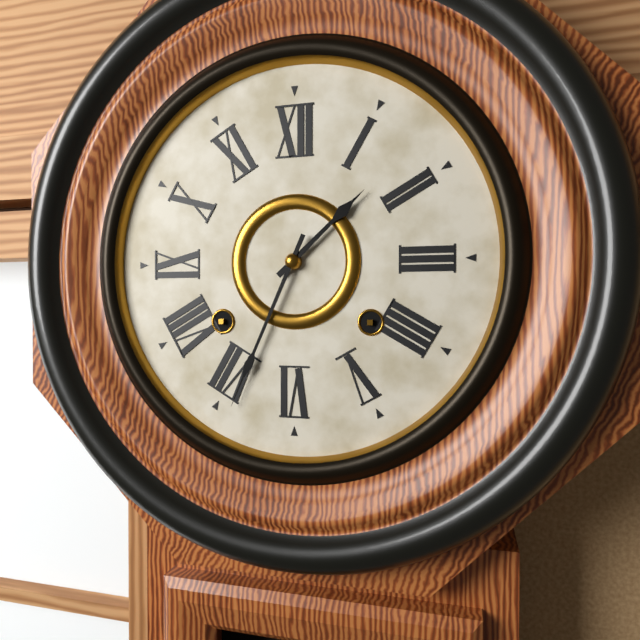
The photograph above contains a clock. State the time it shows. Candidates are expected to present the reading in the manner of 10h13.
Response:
1h34
